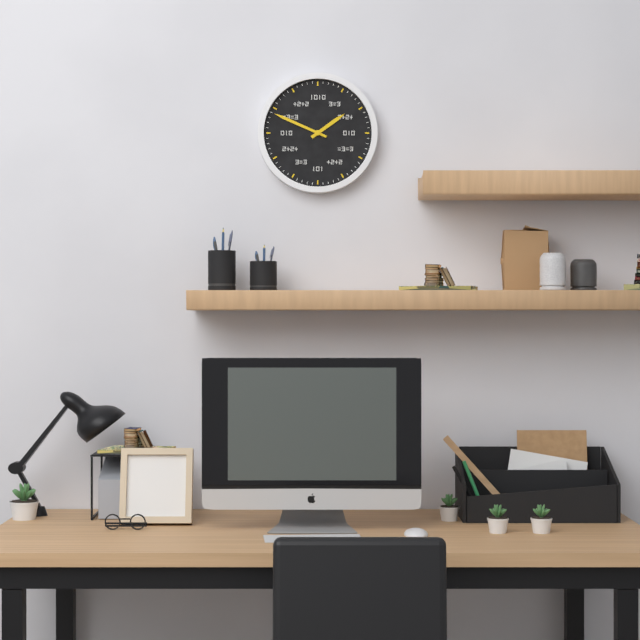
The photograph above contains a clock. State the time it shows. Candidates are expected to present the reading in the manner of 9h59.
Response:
1h49
